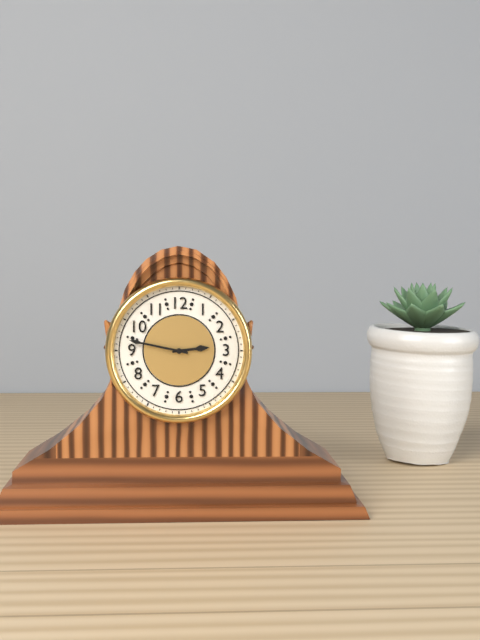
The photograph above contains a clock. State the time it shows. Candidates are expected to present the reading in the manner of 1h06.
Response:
2h47
